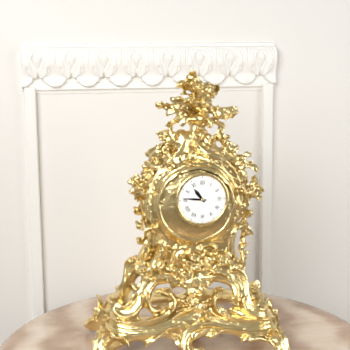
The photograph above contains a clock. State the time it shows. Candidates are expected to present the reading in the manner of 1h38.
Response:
10h46
